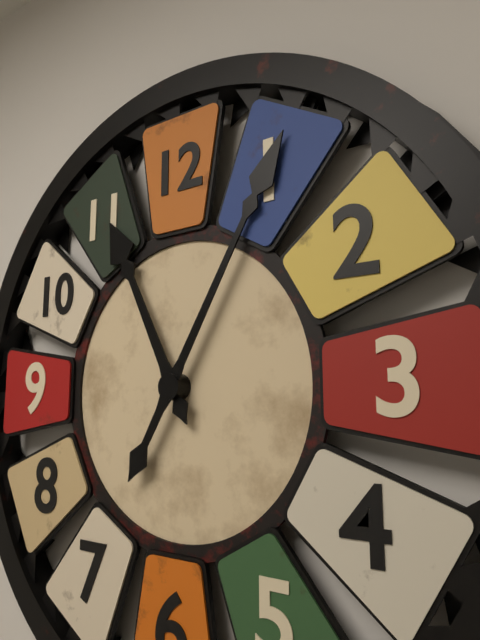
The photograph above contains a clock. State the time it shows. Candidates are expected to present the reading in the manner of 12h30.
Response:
11h05
